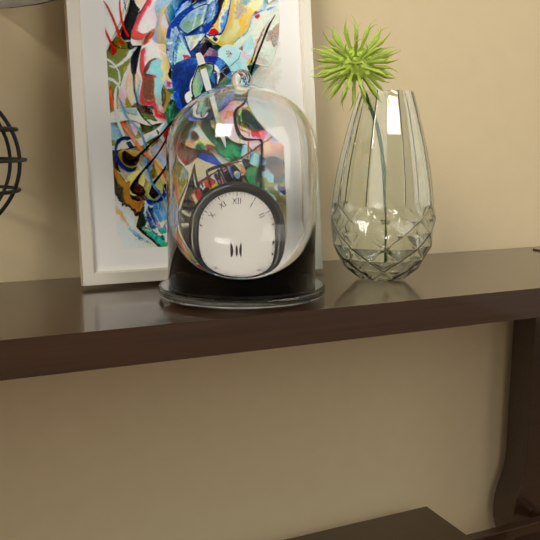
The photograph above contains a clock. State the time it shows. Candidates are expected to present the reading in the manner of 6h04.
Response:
8h18
